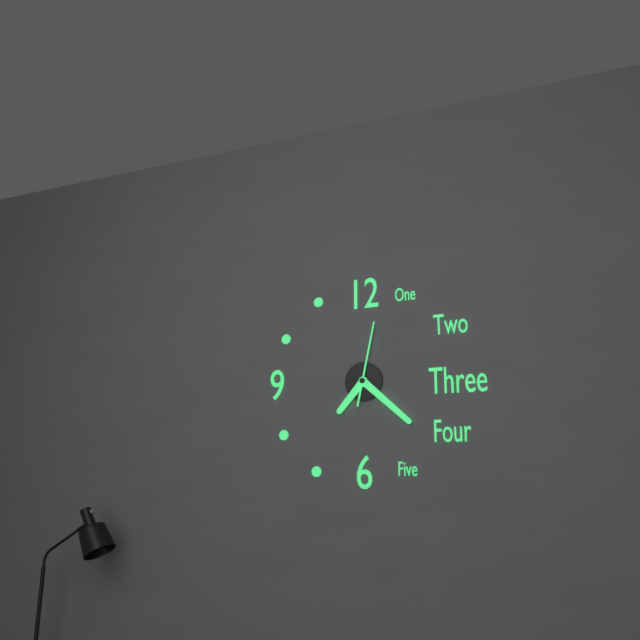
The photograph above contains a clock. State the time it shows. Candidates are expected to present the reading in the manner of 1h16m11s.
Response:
7h22m02s
